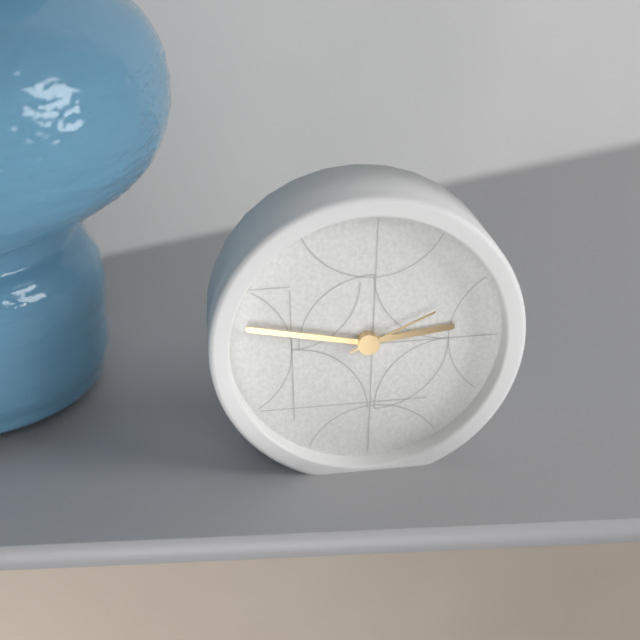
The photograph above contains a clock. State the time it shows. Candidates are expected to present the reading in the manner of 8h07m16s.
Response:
2h47m11s
